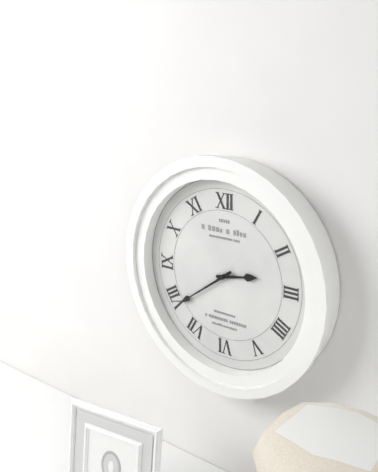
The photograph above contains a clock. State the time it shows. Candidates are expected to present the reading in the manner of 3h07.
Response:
2h39
